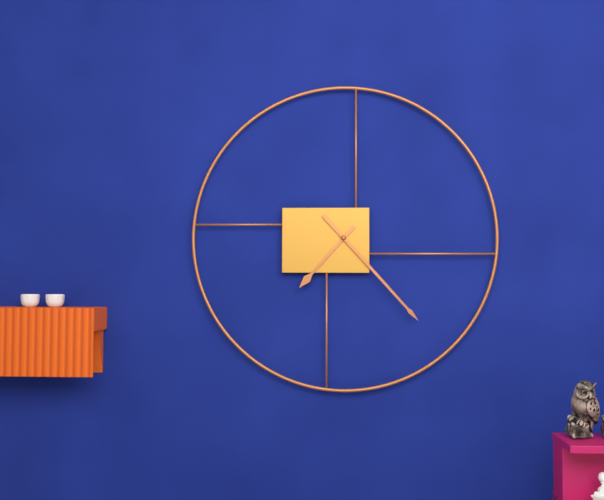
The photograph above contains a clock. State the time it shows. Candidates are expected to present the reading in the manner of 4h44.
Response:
7h23
